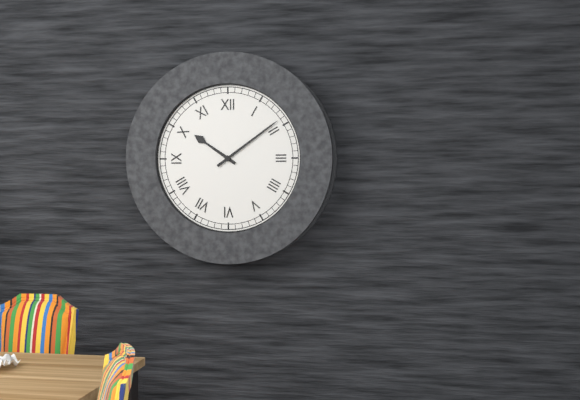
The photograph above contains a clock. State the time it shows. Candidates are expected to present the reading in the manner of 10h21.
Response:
10h09
